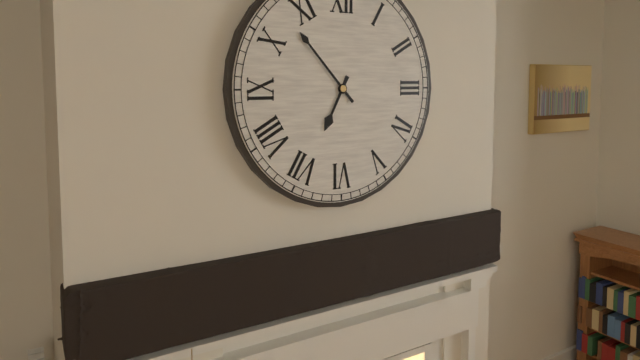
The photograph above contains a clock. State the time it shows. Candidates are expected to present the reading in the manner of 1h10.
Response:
6h53
